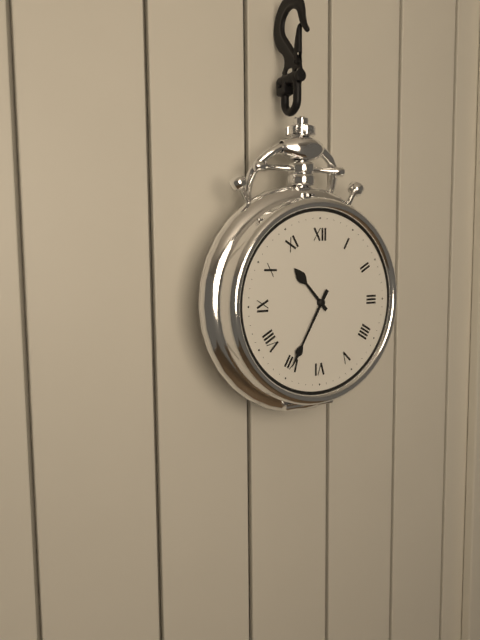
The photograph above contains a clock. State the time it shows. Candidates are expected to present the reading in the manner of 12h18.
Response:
10h35
